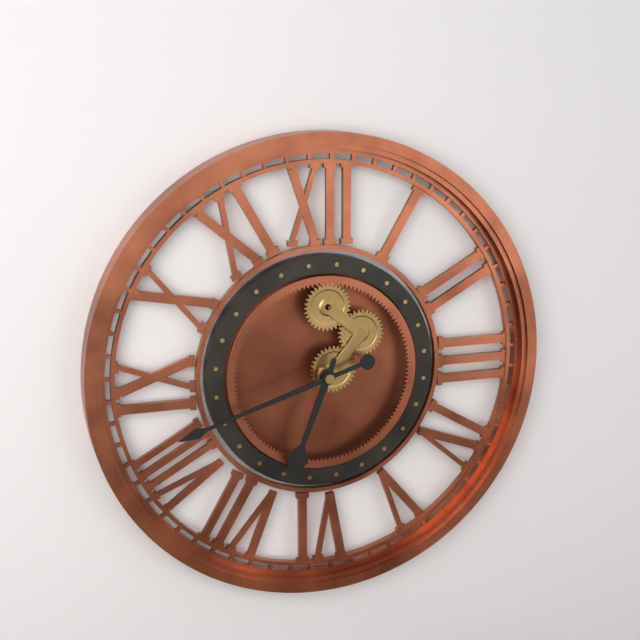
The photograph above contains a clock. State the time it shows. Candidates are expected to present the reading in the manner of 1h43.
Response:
6h42
